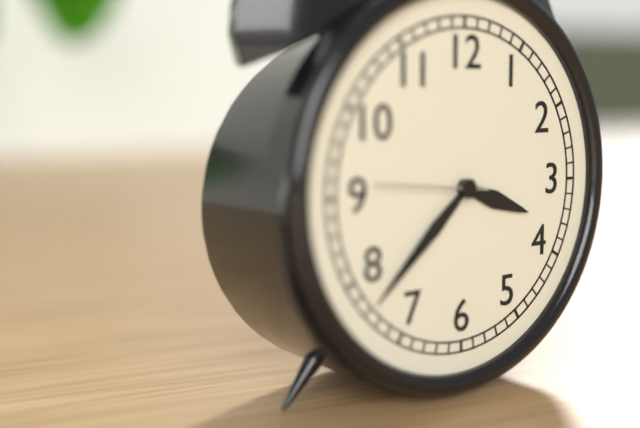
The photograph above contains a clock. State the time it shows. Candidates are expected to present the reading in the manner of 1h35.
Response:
3h38
